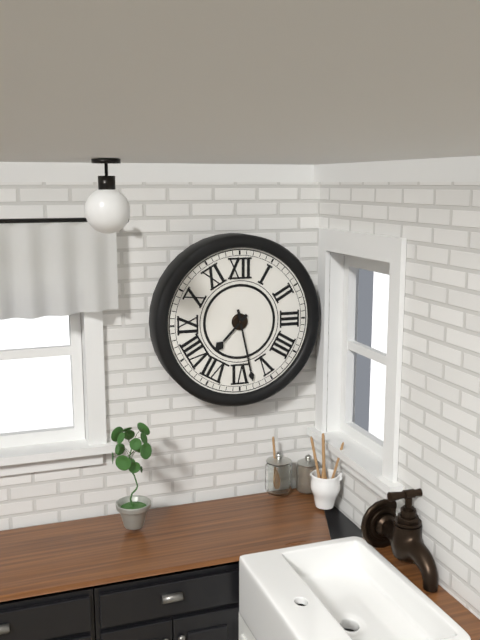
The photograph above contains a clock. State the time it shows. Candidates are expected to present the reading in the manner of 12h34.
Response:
7h28
